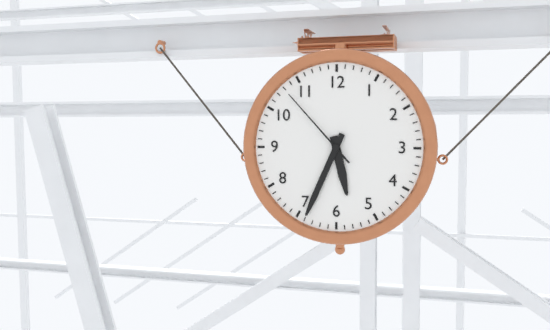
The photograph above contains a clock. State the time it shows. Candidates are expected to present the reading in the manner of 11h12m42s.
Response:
5h34m53s
